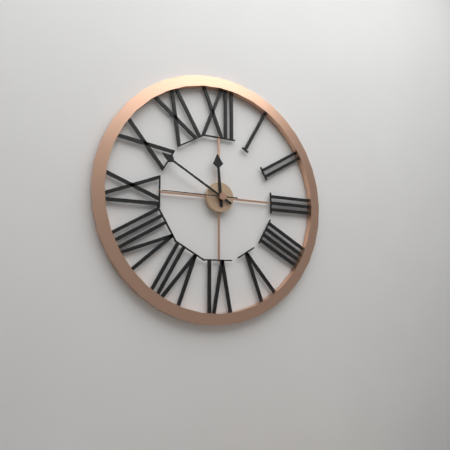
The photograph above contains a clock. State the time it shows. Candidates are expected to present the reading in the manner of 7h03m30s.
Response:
11h50m45s
